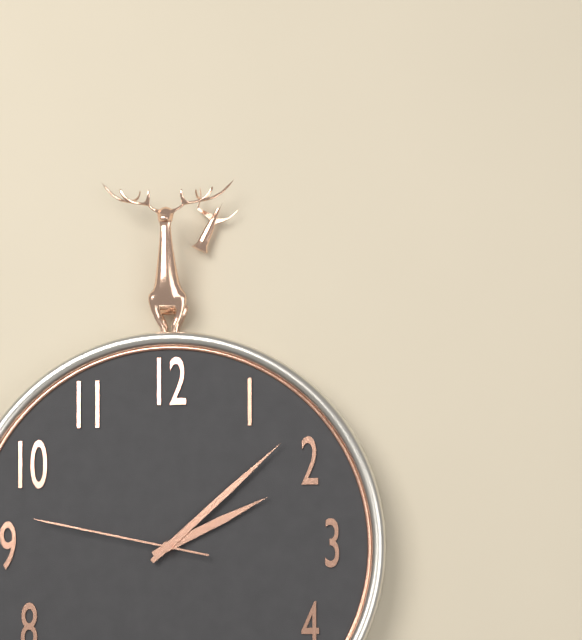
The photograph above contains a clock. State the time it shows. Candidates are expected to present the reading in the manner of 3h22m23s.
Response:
2h08m47s
